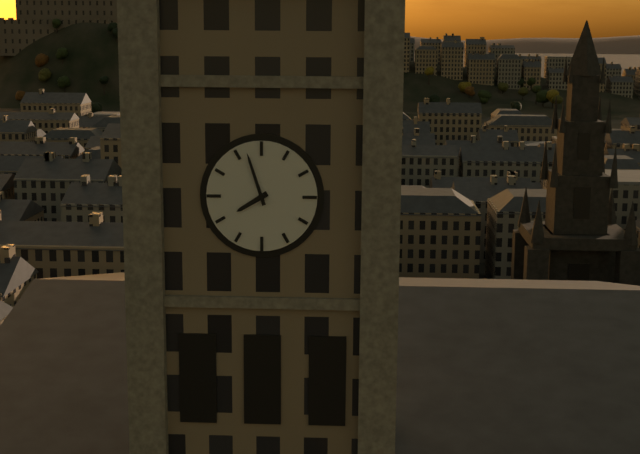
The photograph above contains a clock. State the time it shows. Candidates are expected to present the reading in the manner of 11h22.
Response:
7h57
